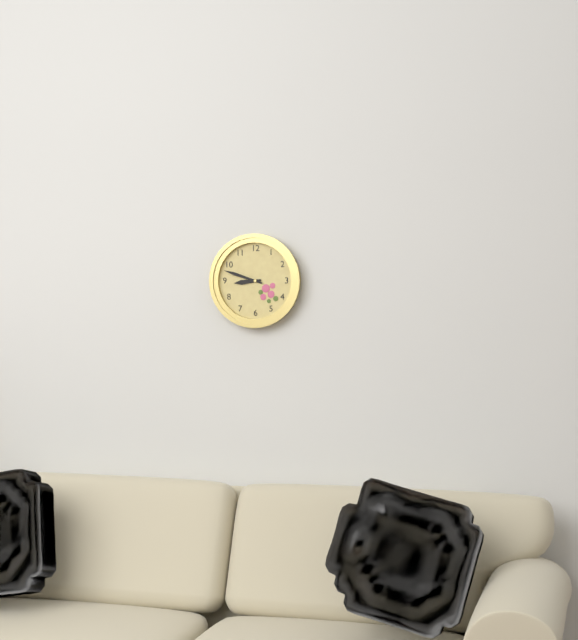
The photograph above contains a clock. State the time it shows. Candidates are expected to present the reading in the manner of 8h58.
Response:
8h48
